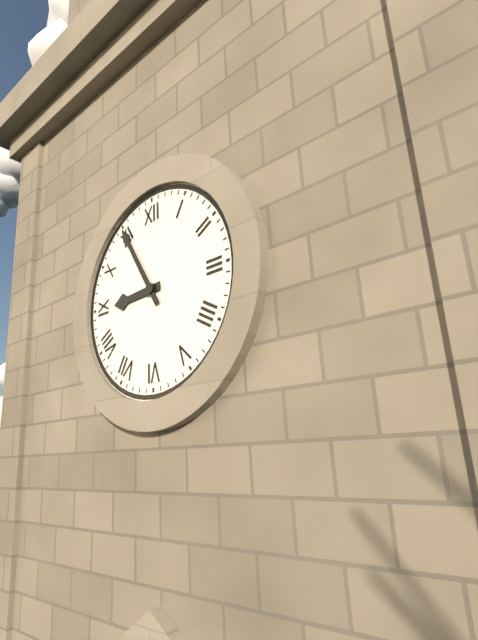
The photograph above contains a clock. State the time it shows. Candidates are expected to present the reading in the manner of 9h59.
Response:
8h55
